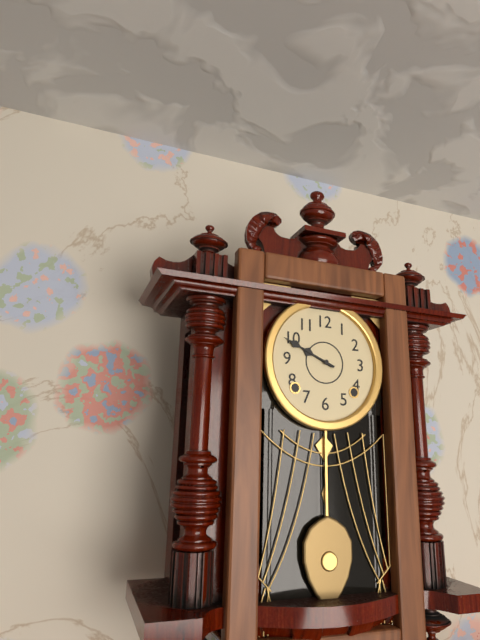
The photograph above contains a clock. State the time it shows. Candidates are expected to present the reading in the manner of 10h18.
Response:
9h49
